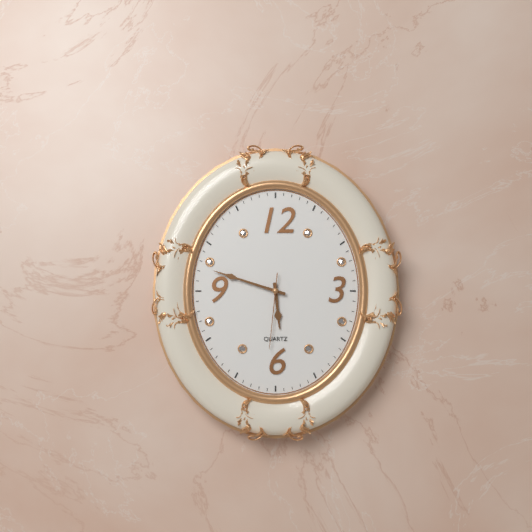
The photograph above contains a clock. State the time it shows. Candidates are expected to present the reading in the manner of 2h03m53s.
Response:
5h48m31s
